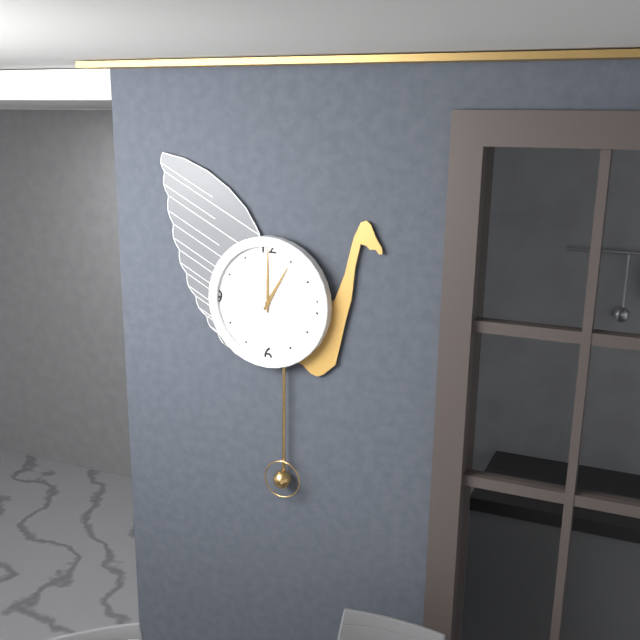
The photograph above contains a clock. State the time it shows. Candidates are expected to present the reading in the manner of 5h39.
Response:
1h00
